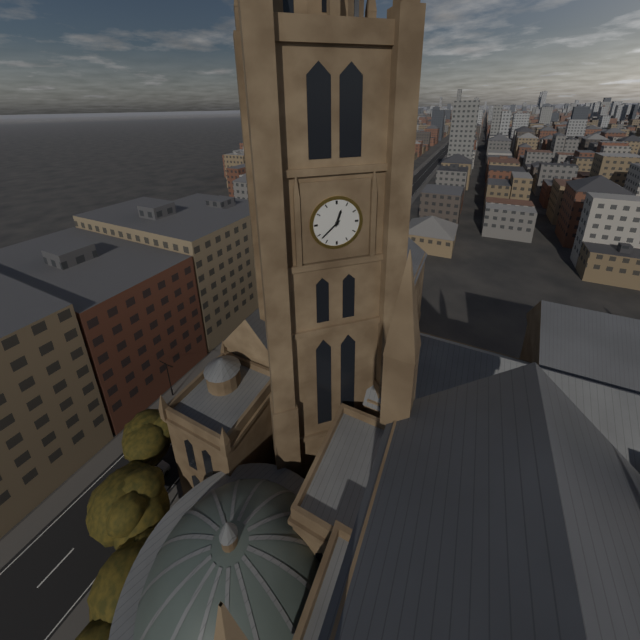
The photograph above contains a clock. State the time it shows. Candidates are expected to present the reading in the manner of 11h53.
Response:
12h38
